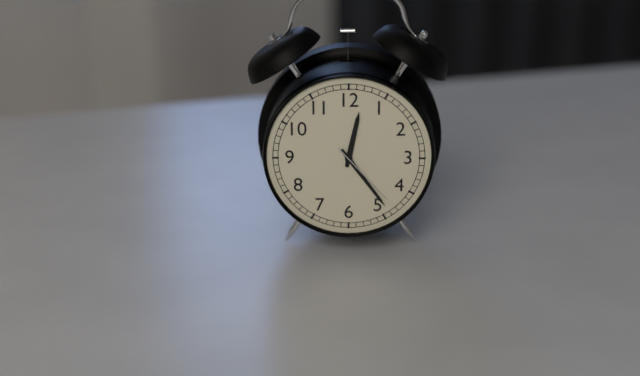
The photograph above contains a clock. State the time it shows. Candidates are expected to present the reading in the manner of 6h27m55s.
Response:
12h24m23s
